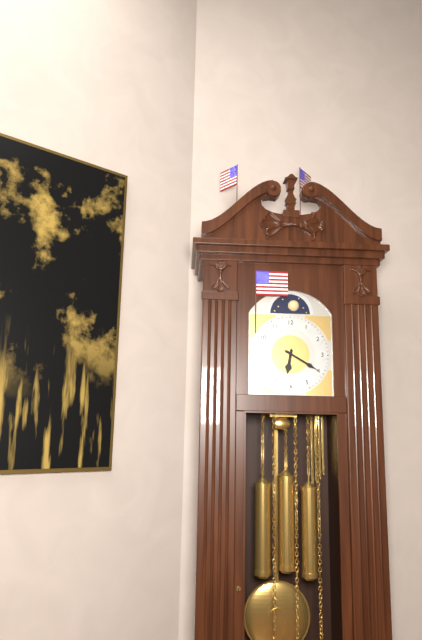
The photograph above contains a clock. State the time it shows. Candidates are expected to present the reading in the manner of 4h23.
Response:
6h20
